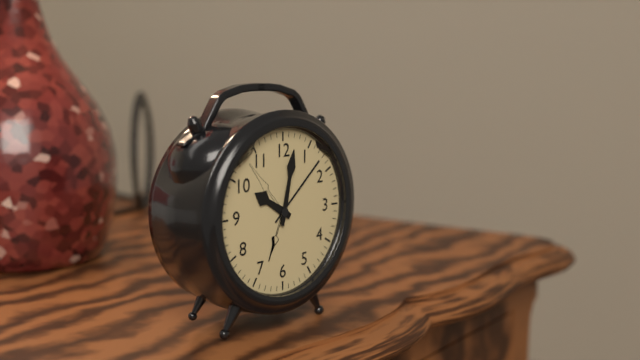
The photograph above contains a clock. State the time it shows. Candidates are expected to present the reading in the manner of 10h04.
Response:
10h02
